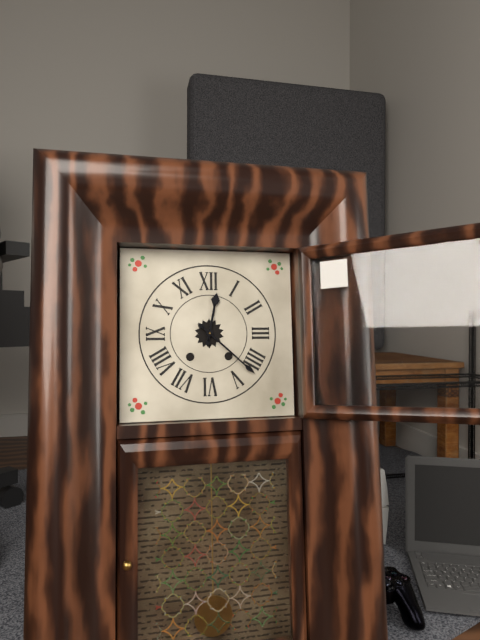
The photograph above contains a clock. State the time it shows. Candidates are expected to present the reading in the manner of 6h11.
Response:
12h22
